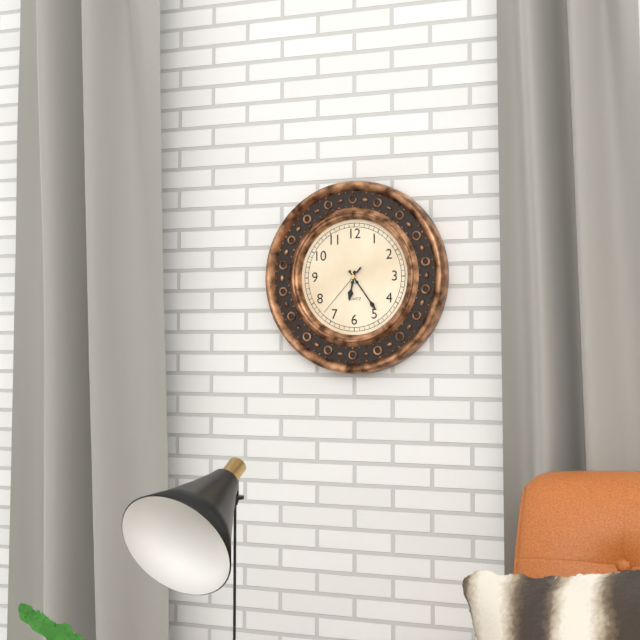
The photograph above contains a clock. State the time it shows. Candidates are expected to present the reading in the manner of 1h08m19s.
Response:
6h24m37s
